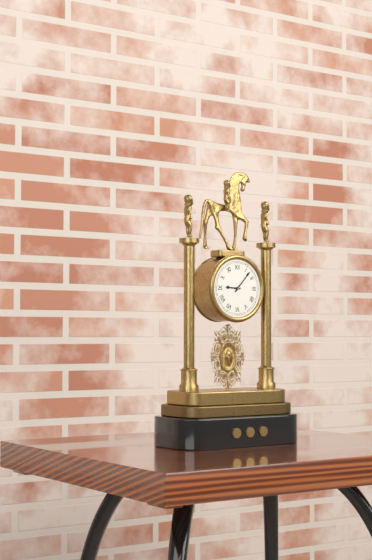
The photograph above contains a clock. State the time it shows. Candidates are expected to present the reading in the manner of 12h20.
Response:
9h07
